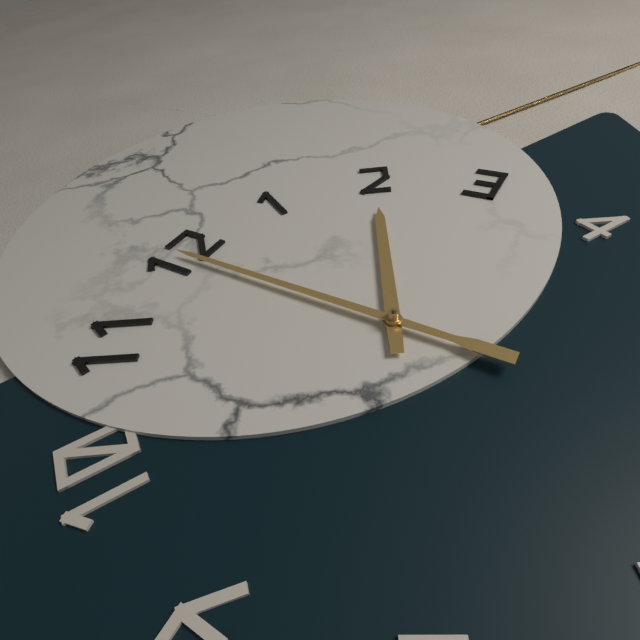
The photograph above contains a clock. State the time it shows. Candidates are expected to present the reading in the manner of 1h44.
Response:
2h00
